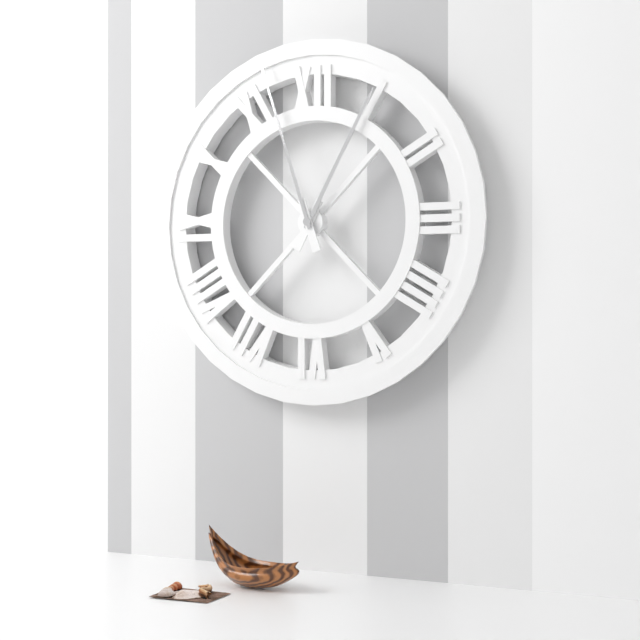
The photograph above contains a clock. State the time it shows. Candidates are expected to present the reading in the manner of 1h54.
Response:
12h57
